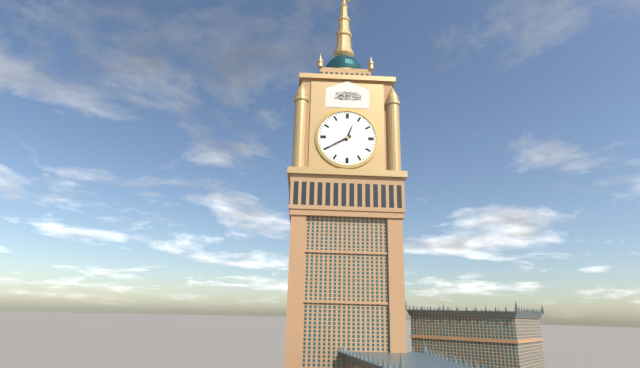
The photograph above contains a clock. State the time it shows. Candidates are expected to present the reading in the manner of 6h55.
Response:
12h40
